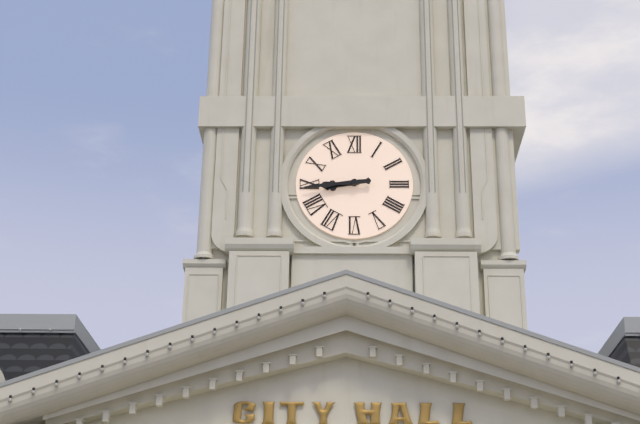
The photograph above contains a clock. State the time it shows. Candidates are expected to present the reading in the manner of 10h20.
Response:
8h44
